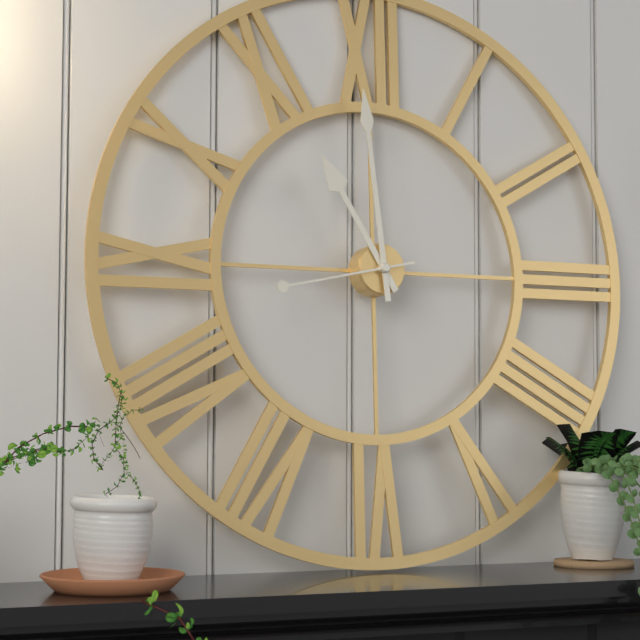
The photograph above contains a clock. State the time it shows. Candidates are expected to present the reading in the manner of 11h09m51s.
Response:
10h59m43s
